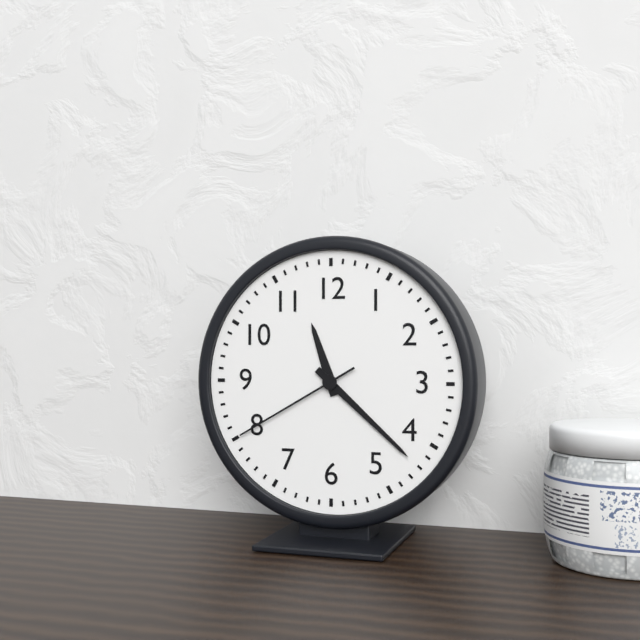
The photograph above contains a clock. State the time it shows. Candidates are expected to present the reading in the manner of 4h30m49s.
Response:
11h22m40s
